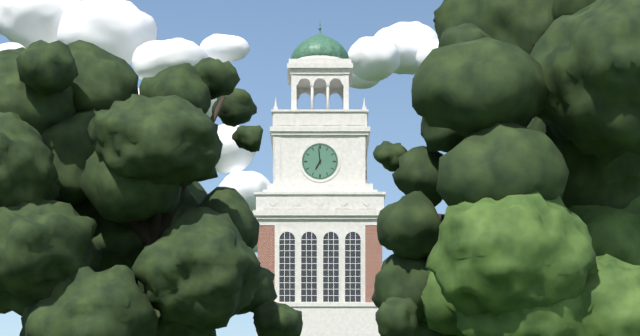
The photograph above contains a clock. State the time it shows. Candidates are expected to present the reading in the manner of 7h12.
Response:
6h59
